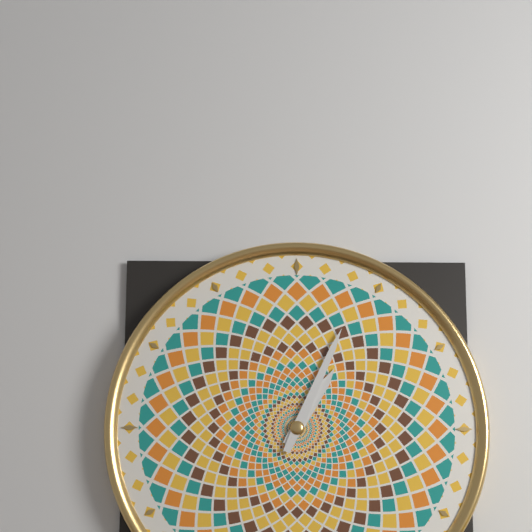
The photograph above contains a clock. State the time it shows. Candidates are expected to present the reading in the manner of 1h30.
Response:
1h04
